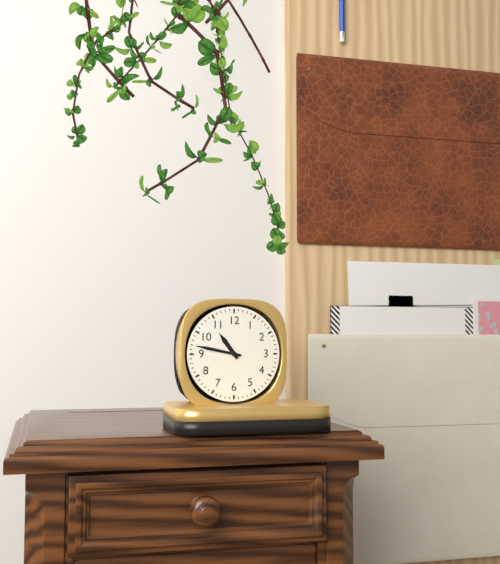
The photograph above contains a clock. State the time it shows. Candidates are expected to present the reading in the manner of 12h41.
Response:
10h47
